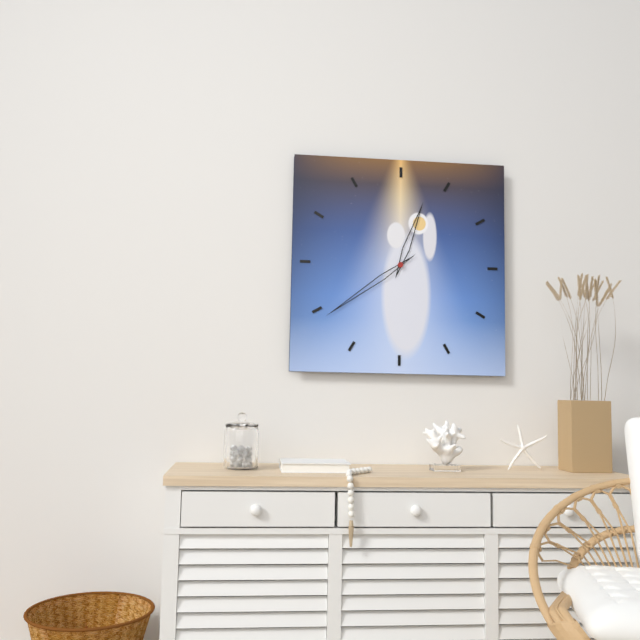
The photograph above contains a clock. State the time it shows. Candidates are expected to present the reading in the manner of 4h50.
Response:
12h39
